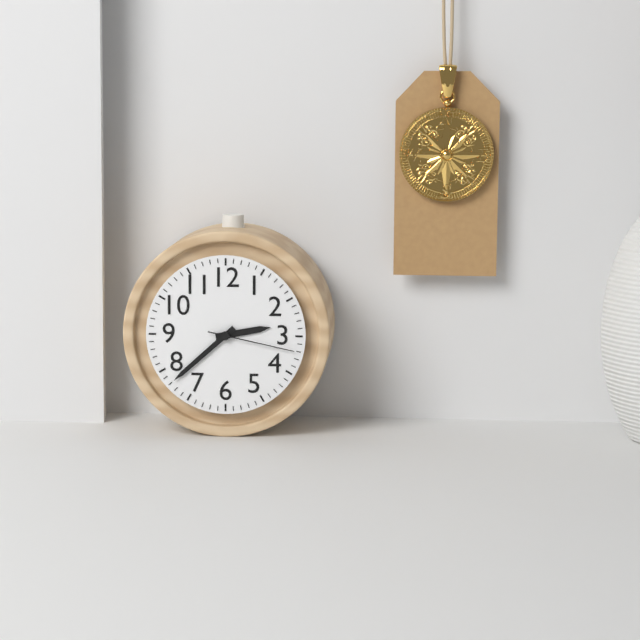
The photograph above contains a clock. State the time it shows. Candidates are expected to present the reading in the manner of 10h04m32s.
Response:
2h38m17s
